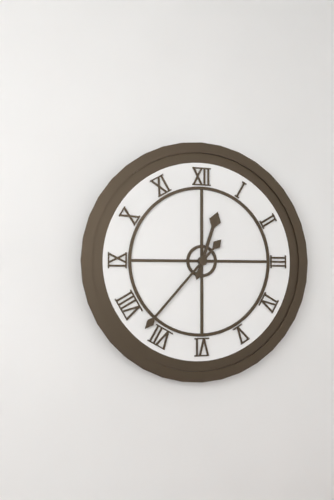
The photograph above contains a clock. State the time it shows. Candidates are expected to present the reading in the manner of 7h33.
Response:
12h37
